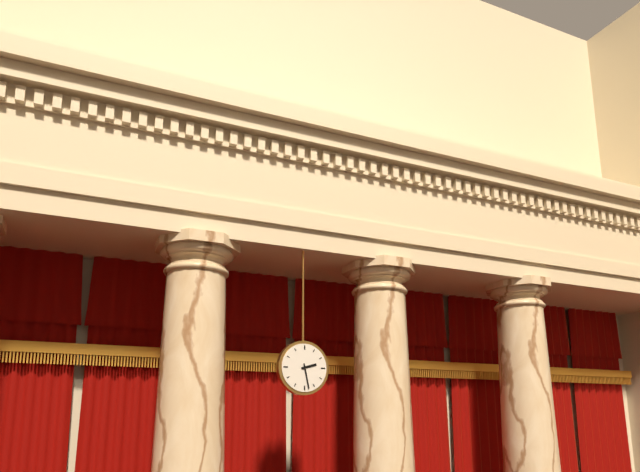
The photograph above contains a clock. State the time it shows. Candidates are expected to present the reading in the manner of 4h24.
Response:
2h28
